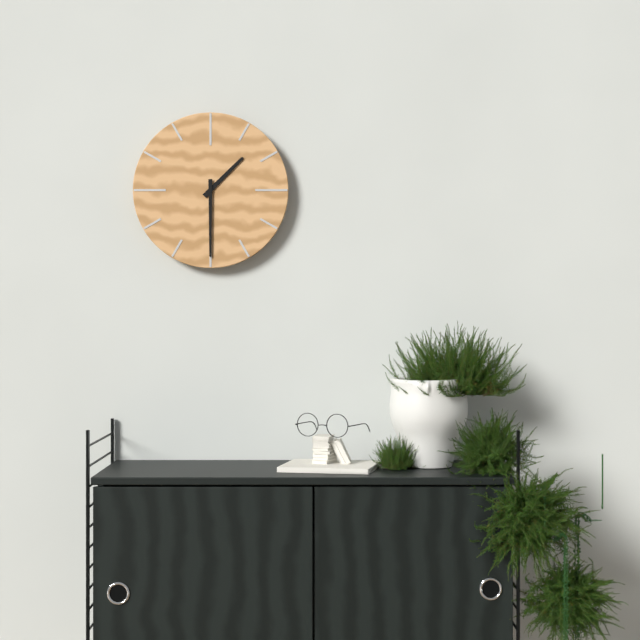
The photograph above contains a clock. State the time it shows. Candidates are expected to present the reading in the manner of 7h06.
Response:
1h30
